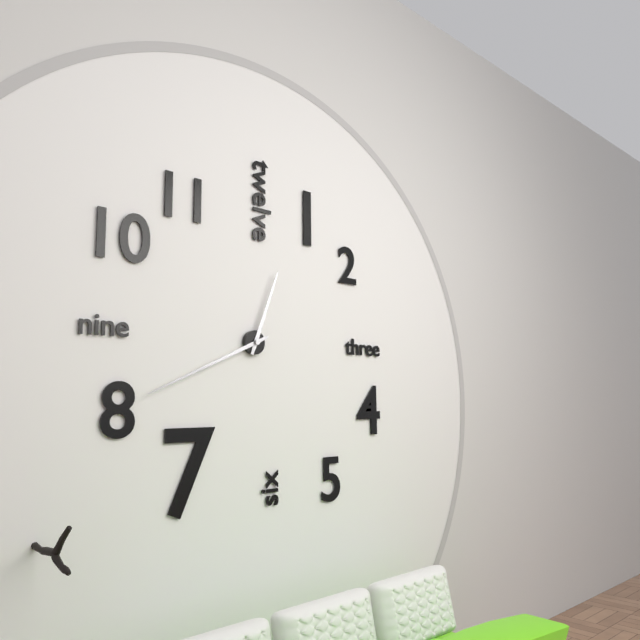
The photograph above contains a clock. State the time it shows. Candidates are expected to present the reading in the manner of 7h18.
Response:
12h41
